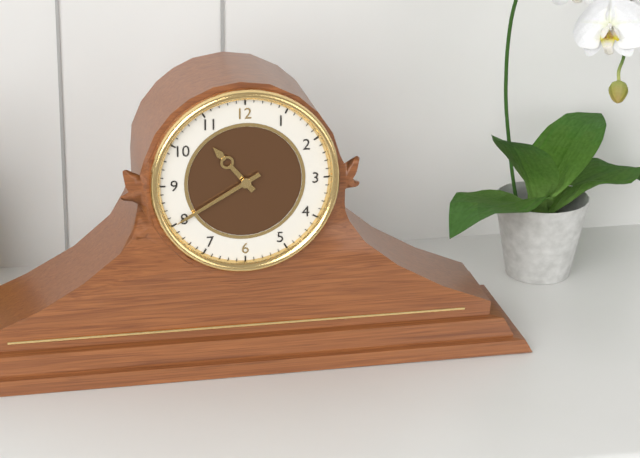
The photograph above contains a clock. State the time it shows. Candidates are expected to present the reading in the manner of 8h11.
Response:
10h40
